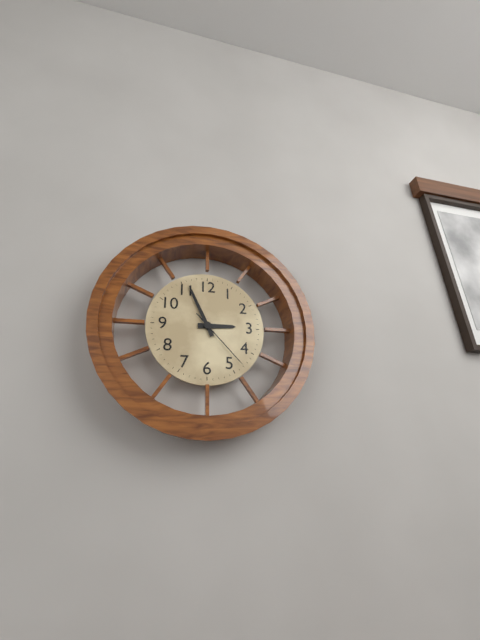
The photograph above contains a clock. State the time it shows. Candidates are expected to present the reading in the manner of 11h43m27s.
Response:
2h56m23s
